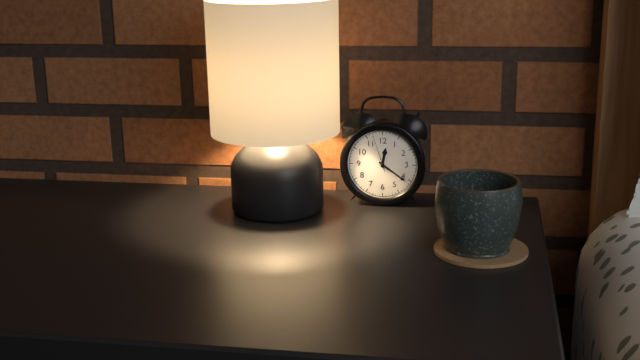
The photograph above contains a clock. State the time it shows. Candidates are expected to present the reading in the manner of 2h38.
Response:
12h21
